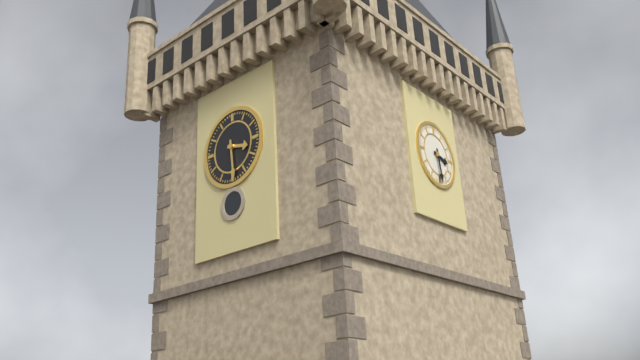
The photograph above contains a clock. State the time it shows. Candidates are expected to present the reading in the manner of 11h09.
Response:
3h29
